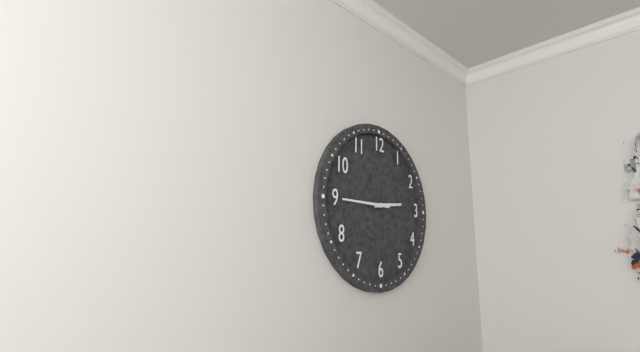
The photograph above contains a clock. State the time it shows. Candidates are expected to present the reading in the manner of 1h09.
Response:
2h45
